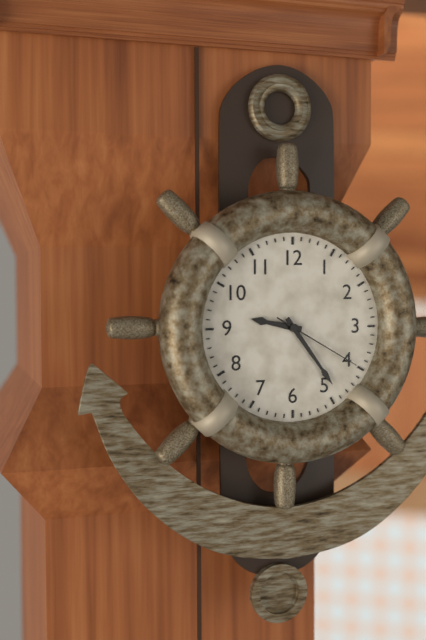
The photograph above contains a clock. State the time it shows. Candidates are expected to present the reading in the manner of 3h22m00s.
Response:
9h24m20s
